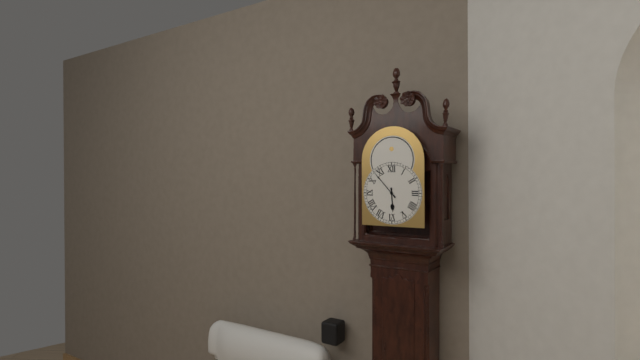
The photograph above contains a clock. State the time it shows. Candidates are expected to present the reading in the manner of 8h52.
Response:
5h53
